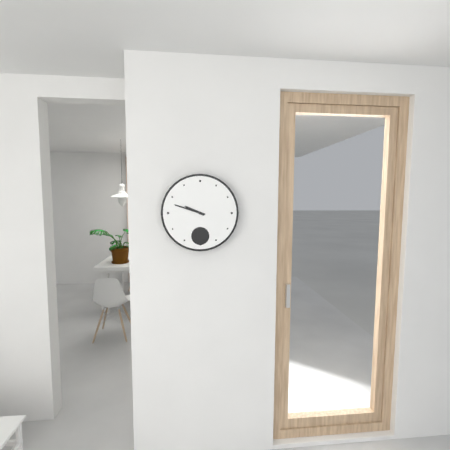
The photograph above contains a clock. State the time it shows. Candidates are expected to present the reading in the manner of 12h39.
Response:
9h48
